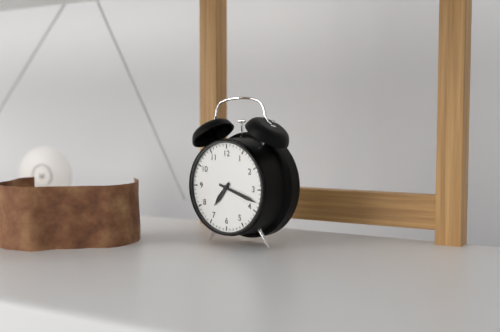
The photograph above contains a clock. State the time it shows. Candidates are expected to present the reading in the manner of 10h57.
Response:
7h18
